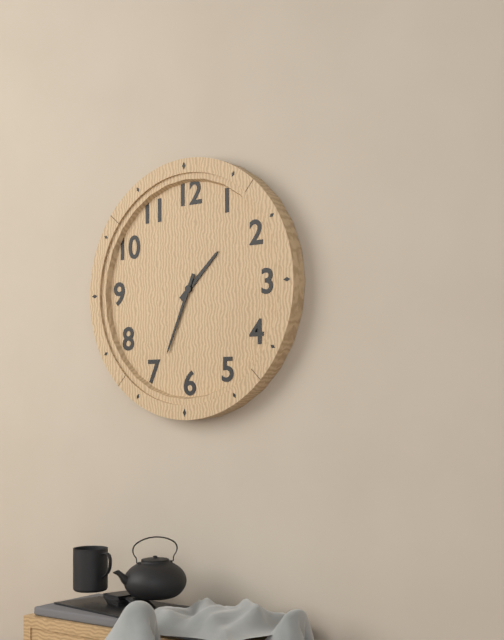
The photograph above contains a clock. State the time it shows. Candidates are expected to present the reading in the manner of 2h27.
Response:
1h34
